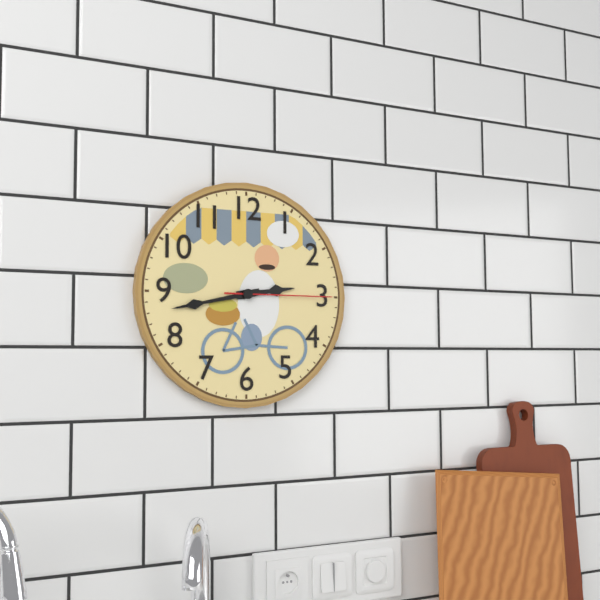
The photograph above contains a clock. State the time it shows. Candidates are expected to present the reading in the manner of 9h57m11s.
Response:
2h43m15s
